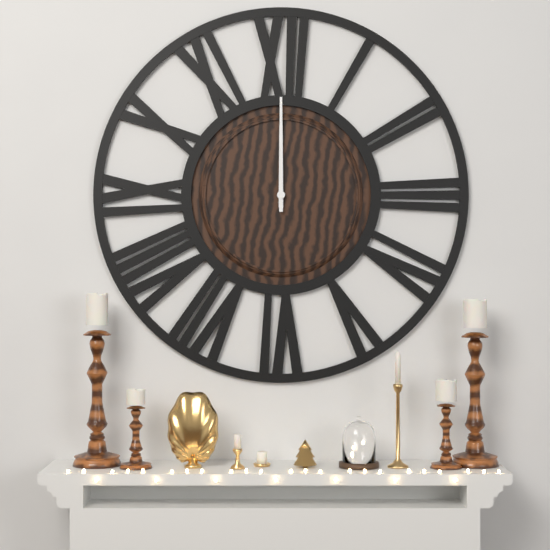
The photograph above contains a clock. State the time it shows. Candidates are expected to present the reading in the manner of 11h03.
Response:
12h00
